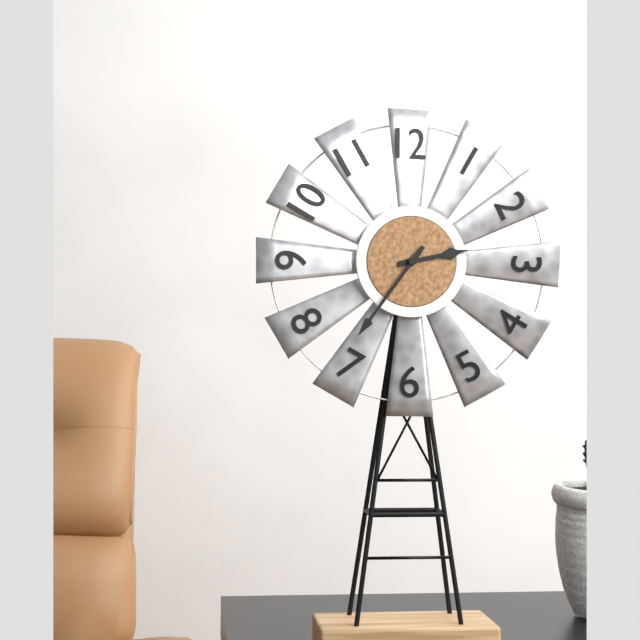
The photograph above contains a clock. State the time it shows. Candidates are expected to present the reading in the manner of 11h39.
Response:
2h36
